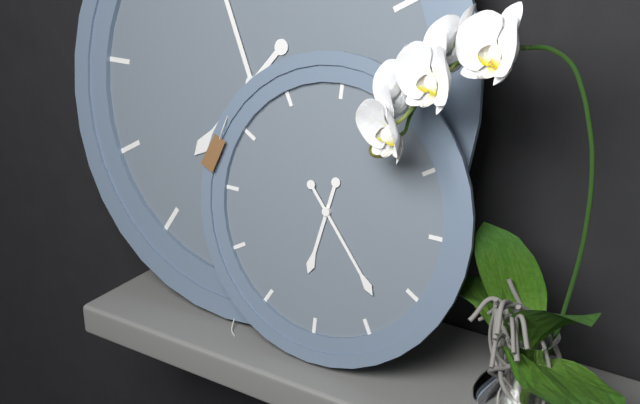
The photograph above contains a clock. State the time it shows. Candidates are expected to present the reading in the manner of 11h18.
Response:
6h23
